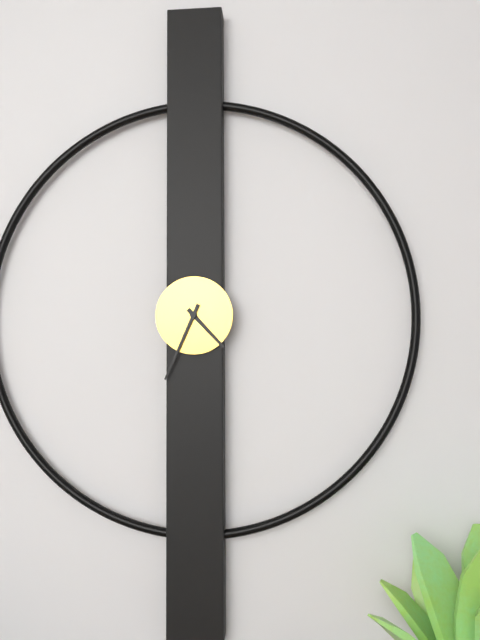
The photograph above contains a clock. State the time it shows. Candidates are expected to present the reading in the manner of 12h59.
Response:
4h34
